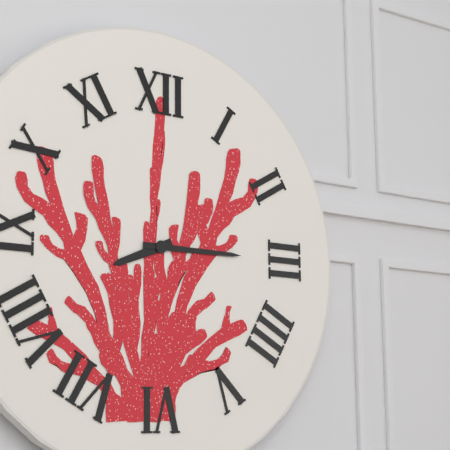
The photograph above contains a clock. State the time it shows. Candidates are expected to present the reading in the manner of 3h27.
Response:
8h15
